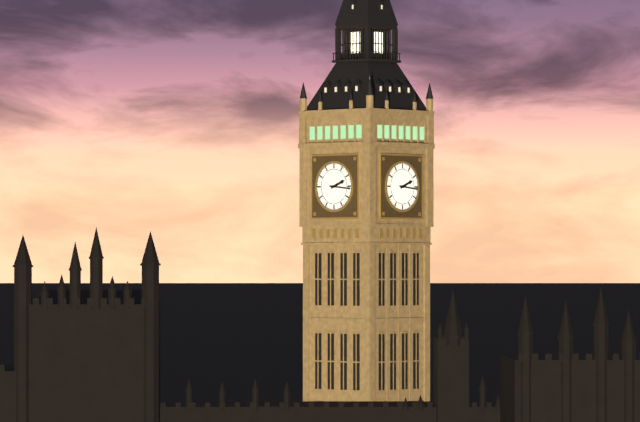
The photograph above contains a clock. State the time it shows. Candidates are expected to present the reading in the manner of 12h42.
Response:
2h16
